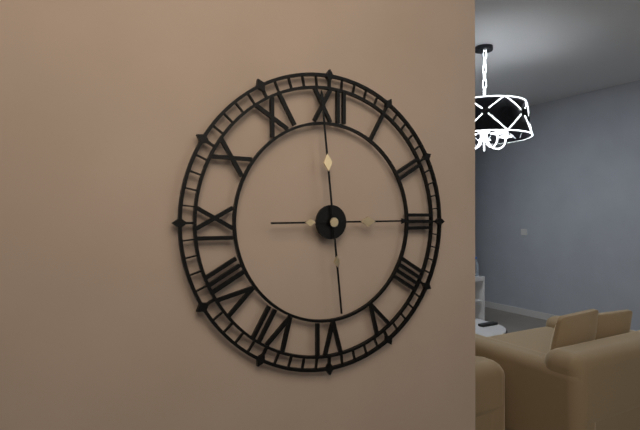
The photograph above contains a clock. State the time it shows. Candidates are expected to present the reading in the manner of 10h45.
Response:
2h59
